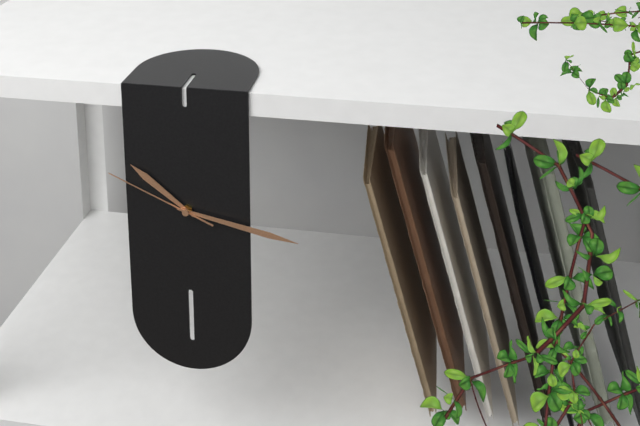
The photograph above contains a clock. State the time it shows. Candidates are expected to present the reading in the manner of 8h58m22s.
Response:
10h17m49s
